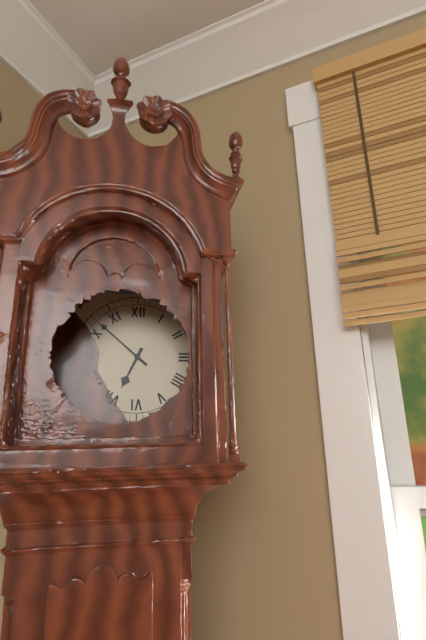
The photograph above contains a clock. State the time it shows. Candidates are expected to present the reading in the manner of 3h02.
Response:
6h52
